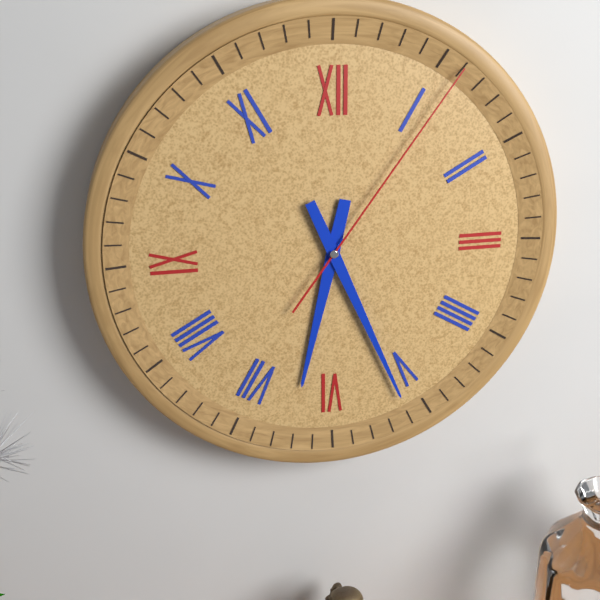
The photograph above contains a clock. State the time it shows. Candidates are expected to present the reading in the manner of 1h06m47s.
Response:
6h26m06s
